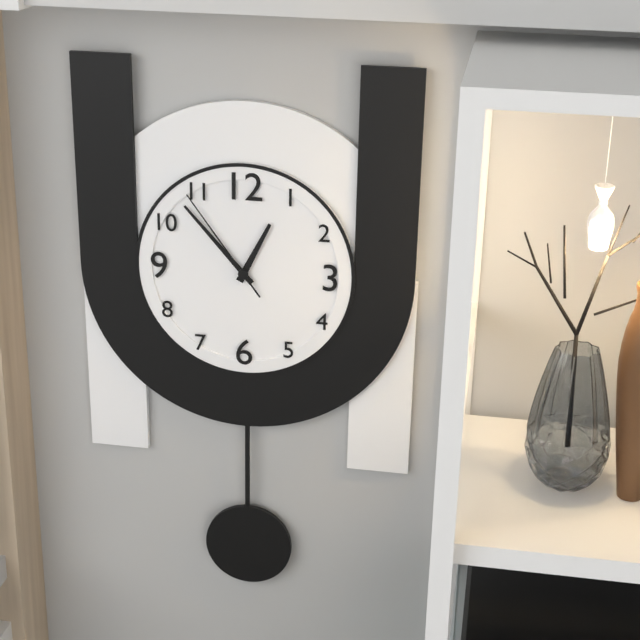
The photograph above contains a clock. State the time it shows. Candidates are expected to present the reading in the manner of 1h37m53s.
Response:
12h53m54s
